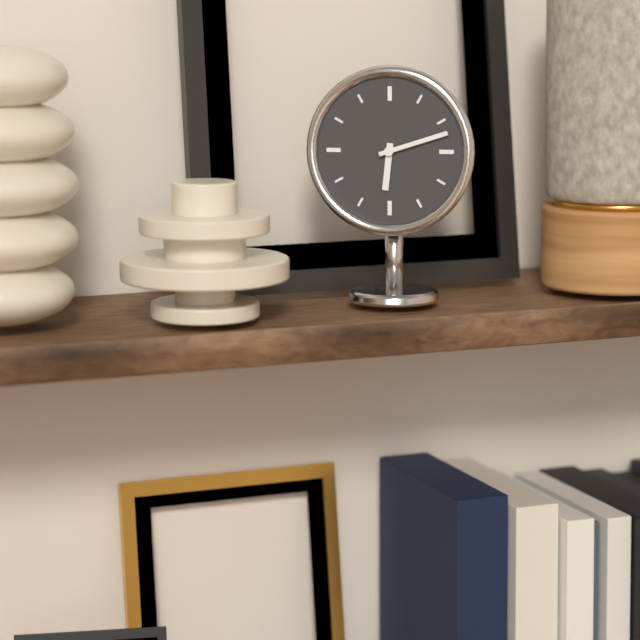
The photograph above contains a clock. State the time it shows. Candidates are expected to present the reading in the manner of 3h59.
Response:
6h12
